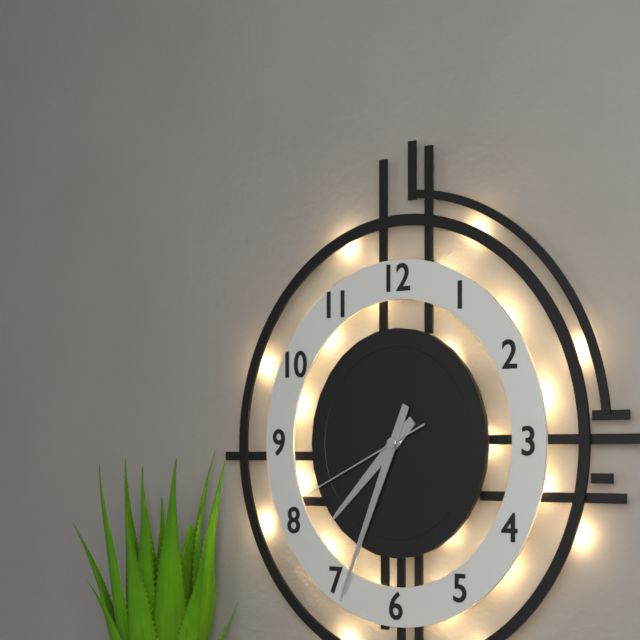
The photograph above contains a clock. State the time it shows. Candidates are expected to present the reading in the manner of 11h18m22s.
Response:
7h34m41s
